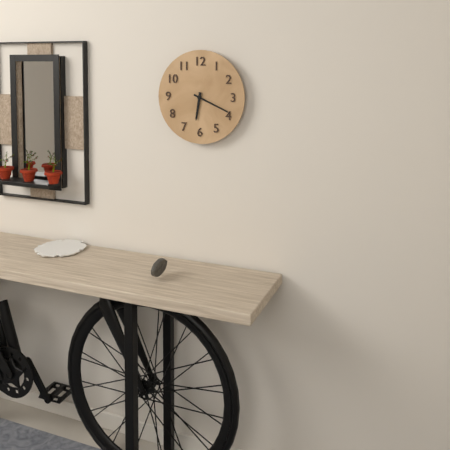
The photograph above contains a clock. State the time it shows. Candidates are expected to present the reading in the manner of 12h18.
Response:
6h19
